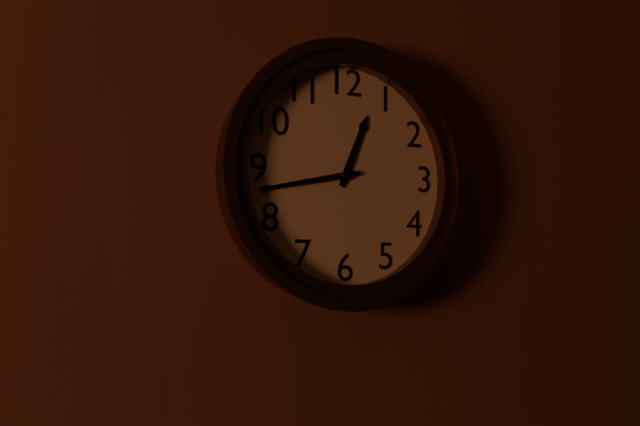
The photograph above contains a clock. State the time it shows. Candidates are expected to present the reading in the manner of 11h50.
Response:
12h43
